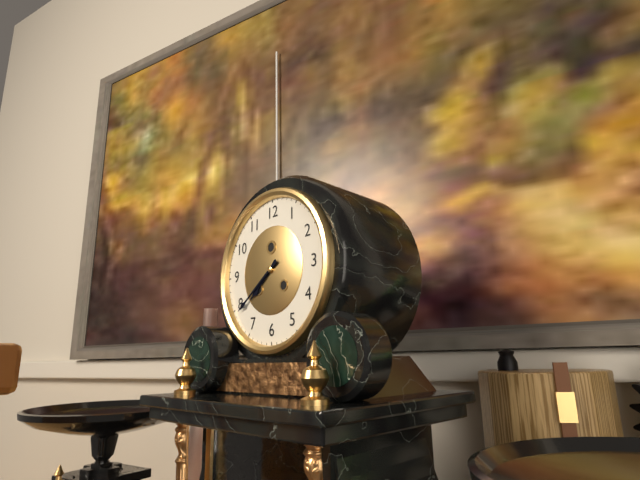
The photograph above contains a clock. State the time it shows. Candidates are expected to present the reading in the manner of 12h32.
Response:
7h39
